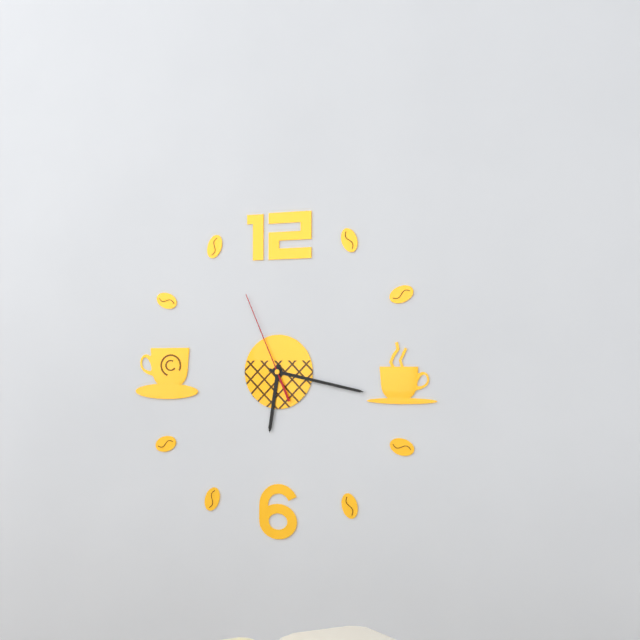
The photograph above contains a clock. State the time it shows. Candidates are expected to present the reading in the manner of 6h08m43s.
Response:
6h17m56s
